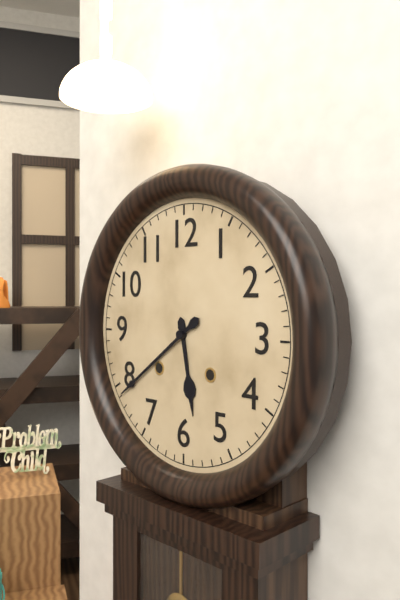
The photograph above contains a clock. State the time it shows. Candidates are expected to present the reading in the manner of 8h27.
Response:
5h39
